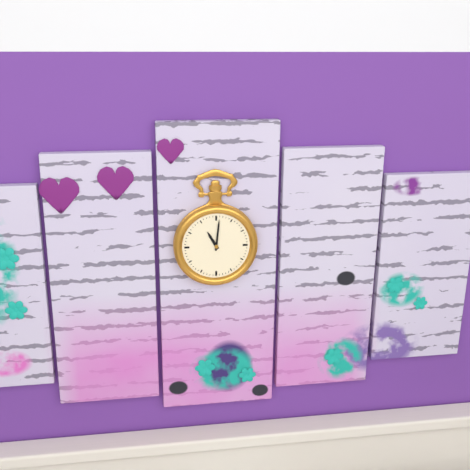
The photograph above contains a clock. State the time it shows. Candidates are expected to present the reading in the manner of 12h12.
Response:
11h01
